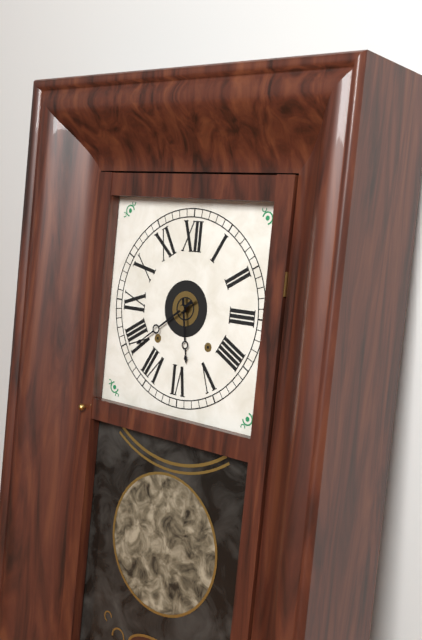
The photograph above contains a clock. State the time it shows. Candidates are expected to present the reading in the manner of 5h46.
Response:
5h39
